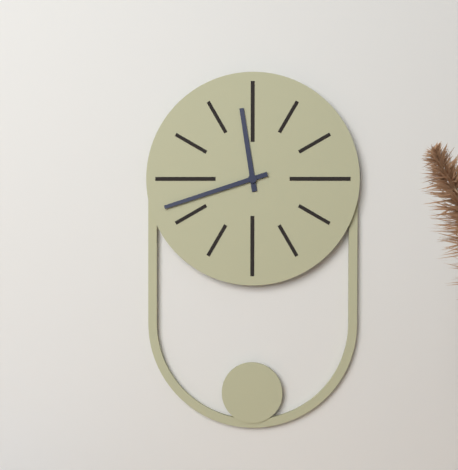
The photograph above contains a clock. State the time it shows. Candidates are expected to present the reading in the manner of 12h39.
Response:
11h42
